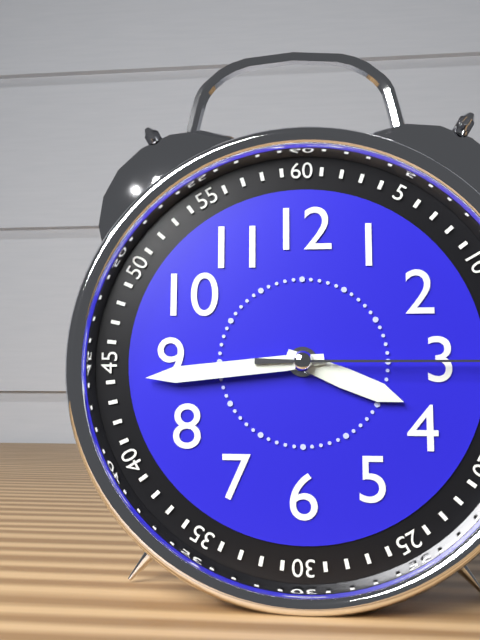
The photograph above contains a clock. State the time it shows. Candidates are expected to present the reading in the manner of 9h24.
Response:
3h44
